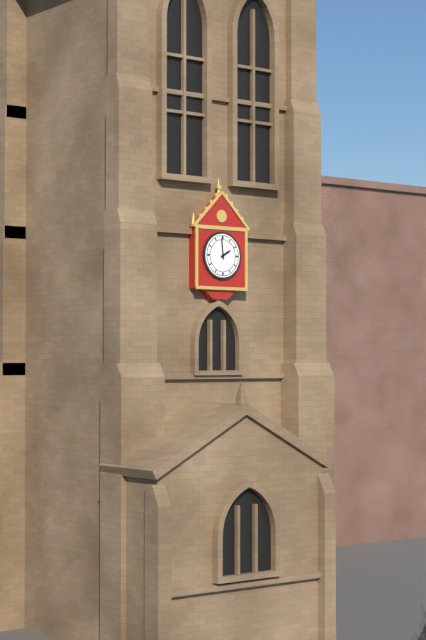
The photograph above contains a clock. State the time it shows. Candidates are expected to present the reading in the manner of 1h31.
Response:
1h59
